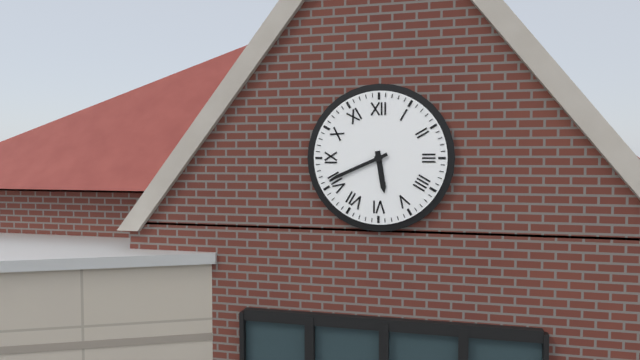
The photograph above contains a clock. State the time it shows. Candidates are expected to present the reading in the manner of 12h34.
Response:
5h41
